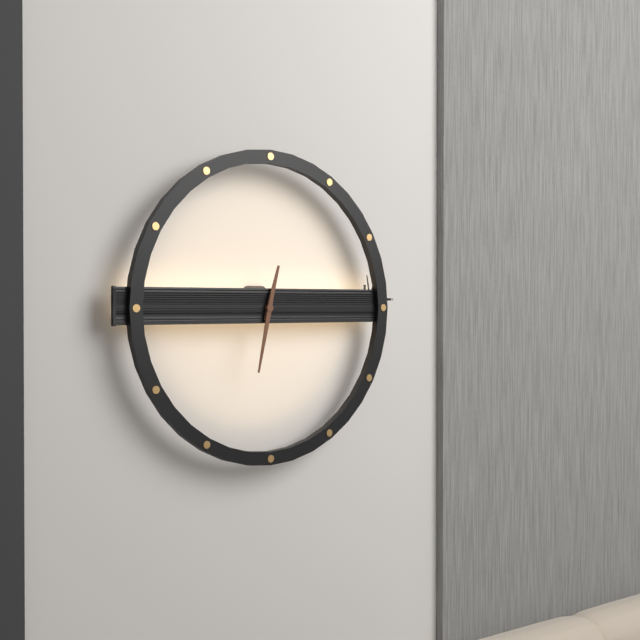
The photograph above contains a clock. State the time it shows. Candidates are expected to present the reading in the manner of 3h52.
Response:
12h32
